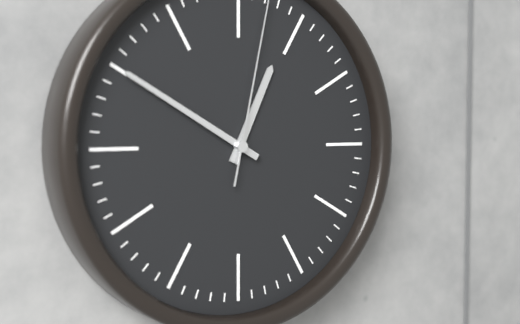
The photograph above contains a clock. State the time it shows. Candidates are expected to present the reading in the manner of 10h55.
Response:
12h50
